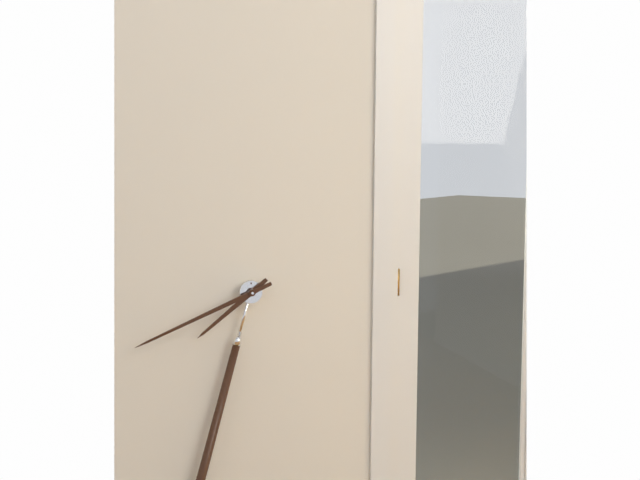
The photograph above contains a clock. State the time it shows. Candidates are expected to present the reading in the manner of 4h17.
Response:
7h41
